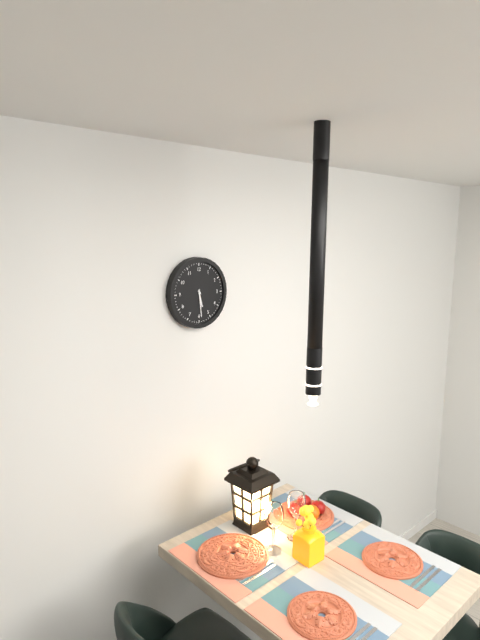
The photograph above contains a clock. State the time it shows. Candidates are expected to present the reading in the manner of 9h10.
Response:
5h29
